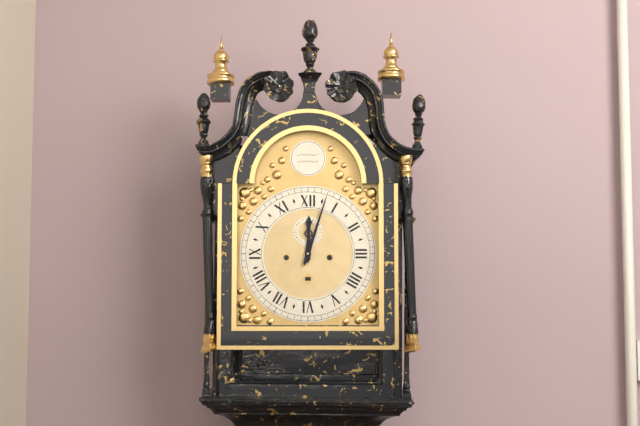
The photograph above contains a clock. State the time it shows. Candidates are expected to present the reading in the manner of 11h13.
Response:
12h03
